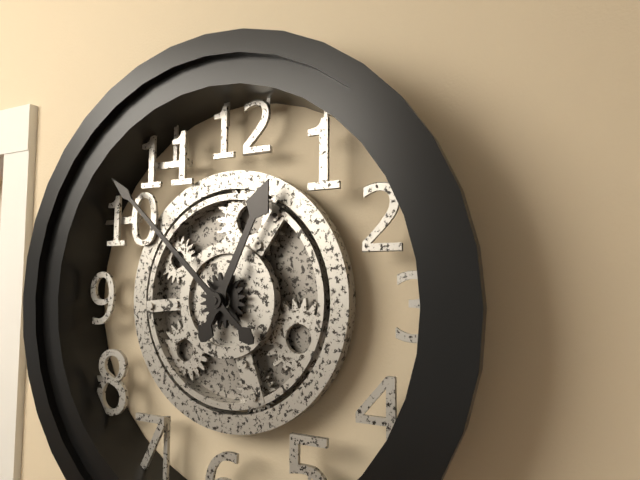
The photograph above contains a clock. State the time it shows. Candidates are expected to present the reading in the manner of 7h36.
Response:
12h52
